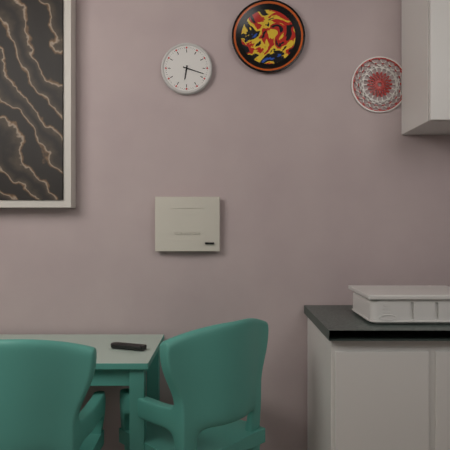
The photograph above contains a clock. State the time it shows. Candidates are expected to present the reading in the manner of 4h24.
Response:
6h18
